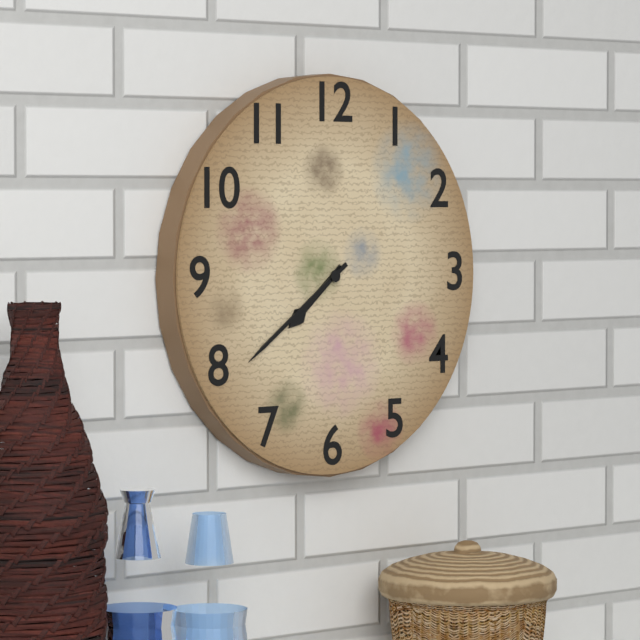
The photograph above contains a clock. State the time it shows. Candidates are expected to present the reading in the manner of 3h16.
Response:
7h39
